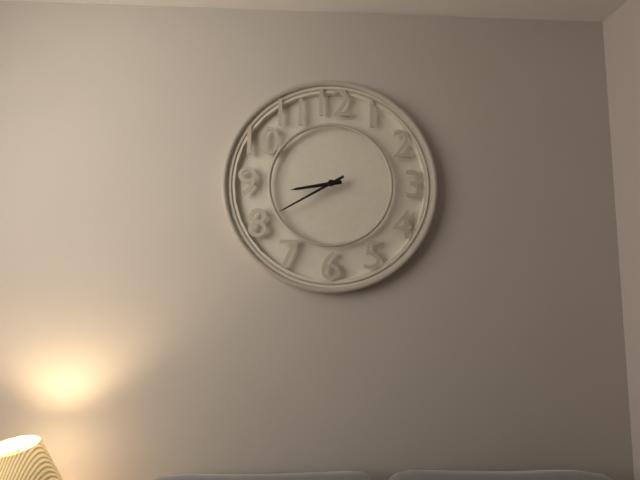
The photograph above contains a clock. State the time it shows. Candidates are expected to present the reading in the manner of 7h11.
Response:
8h40
